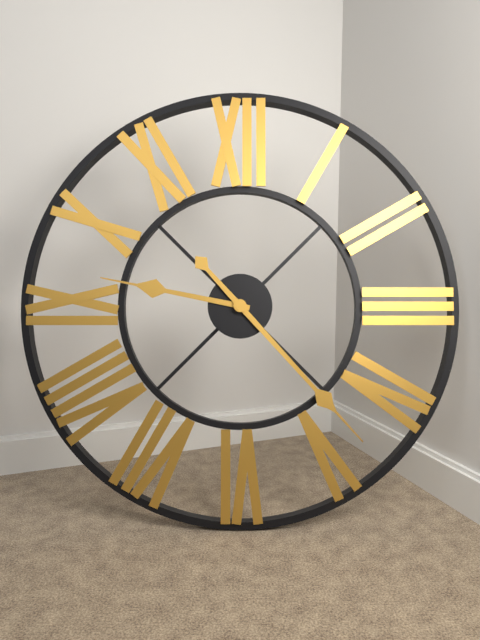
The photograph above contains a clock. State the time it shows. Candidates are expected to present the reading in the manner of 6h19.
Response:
9h23
